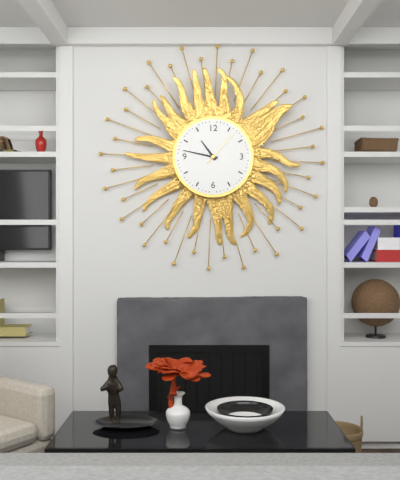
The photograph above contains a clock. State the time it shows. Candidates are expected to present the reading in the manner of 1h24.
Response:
10h47
